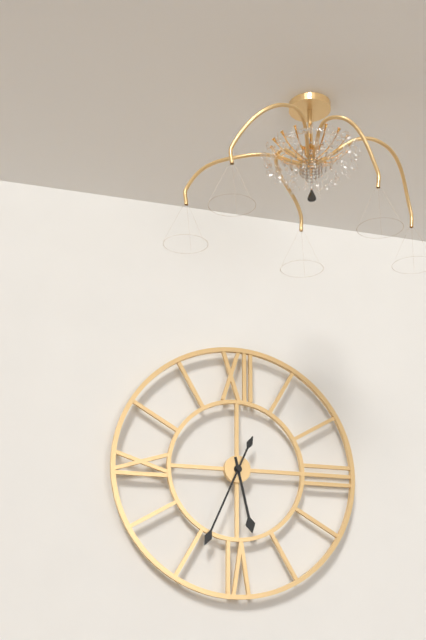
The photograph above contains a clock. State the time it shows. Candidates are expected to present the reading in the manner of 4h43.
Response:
5h34
